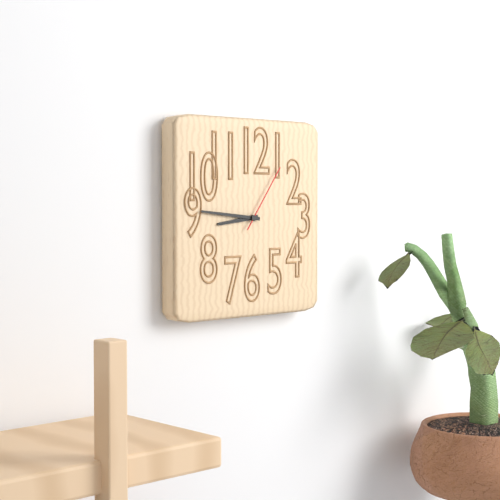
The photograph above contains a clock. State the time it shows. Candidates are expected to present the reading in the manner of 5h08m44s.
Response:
8h46m06s
